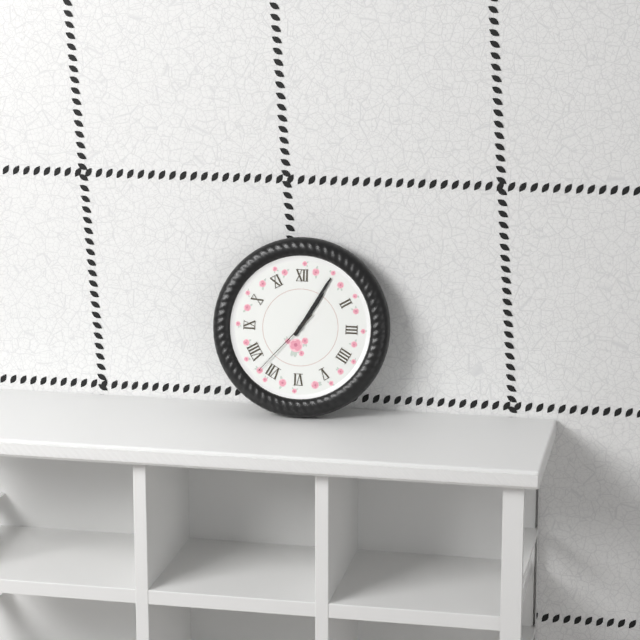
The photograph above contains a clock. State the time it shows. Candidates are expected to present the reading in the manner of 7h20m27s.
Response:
1h05m37s
